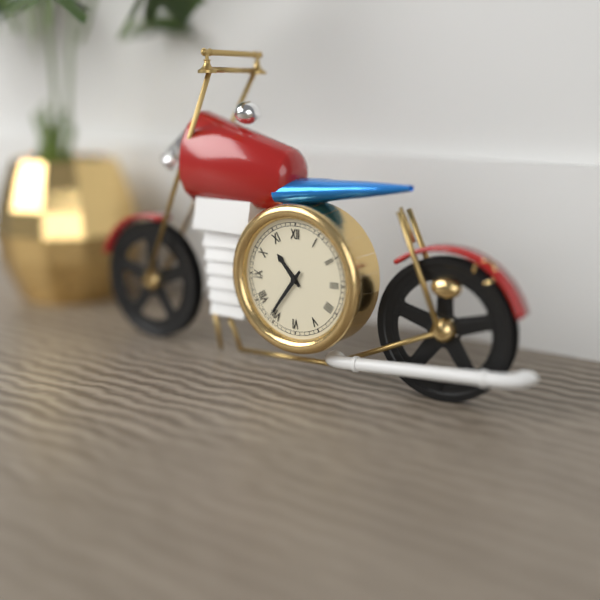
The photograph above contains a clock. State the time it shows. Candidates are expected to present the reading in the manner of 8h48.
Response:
10h36
